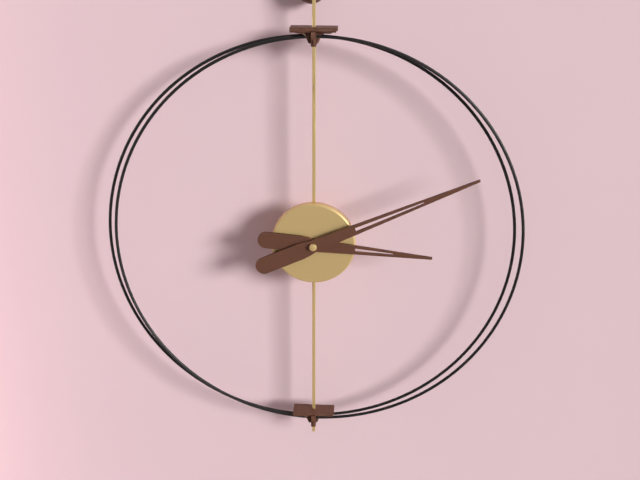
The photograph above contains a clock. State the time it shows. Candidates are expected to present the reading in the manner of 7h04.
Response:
3h11
